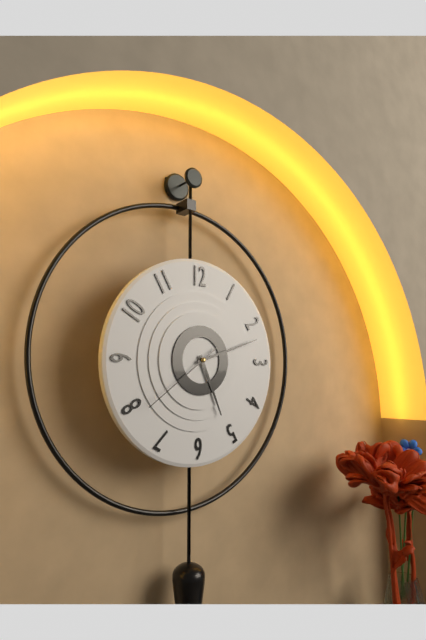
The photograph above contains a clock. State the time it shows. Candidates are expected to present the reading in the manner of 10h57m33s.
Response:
5h12m39s
